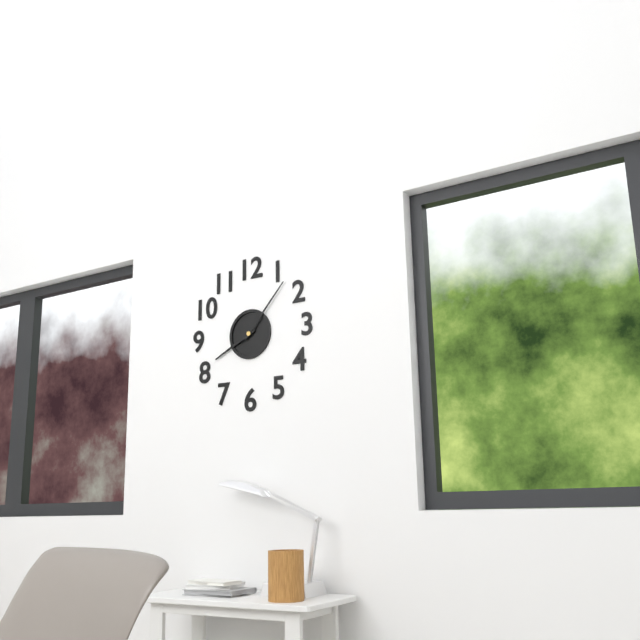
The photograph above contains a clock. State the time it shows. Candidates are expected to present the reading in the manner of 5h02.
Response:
8h07
